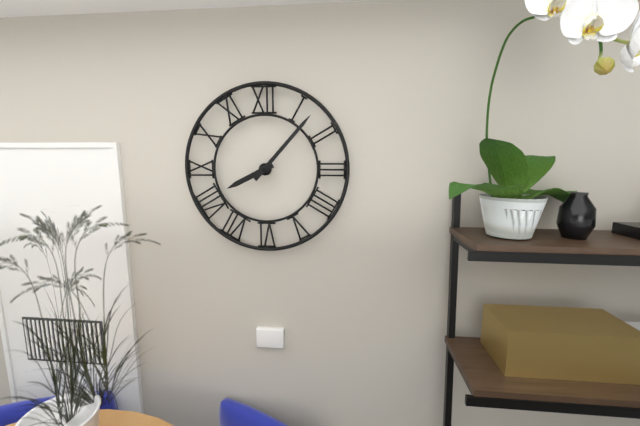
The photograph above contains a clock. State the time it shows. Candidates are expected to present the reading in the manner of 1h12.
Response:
8h07
